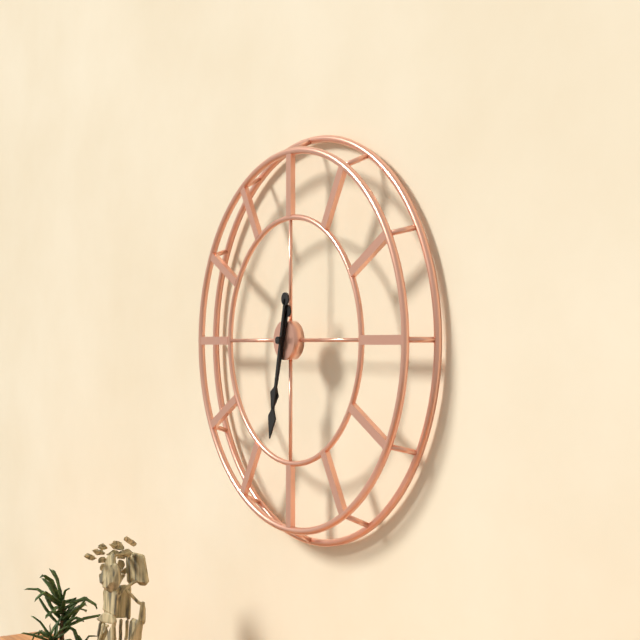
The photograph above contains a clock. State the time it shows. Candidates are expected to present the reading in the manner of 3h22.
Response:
6h32
